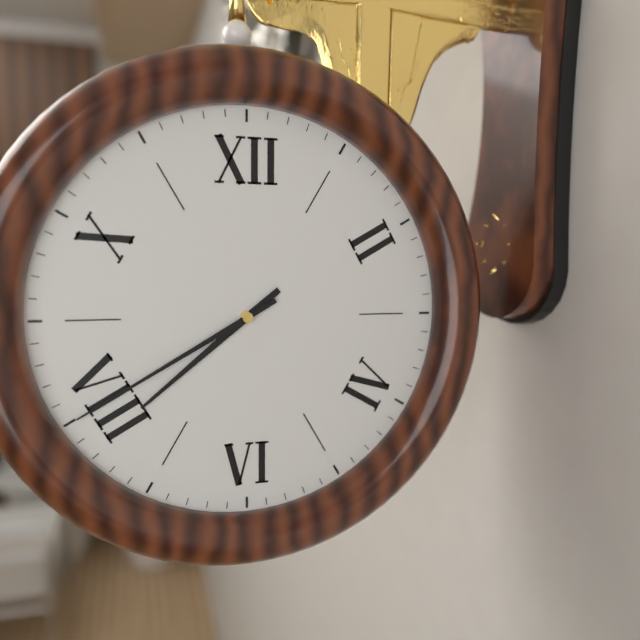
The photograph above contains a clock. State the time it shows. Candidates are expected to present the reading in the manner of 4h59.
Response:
7h40
